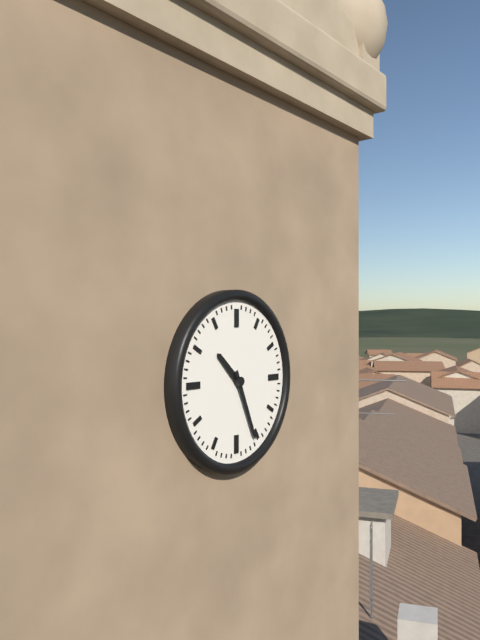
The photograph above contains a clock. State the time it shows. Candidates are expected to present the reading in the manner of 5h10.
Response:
10h26
